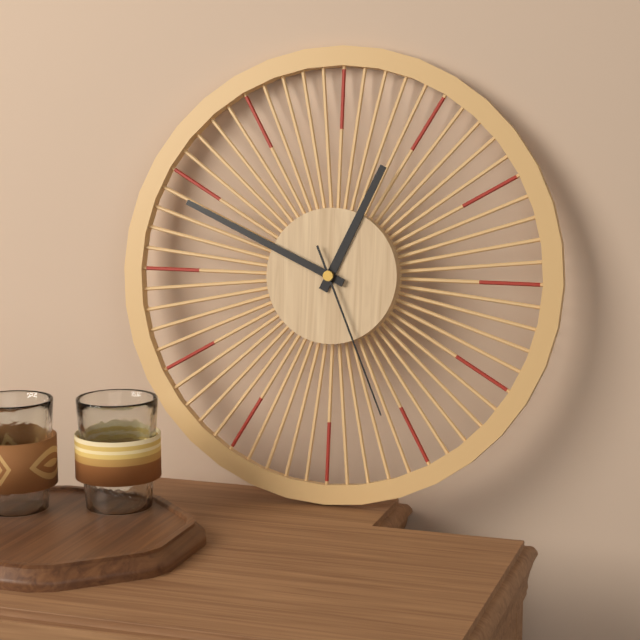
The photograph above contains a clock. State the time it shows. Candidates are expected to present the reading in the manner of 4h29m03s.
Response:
12h49m26s
